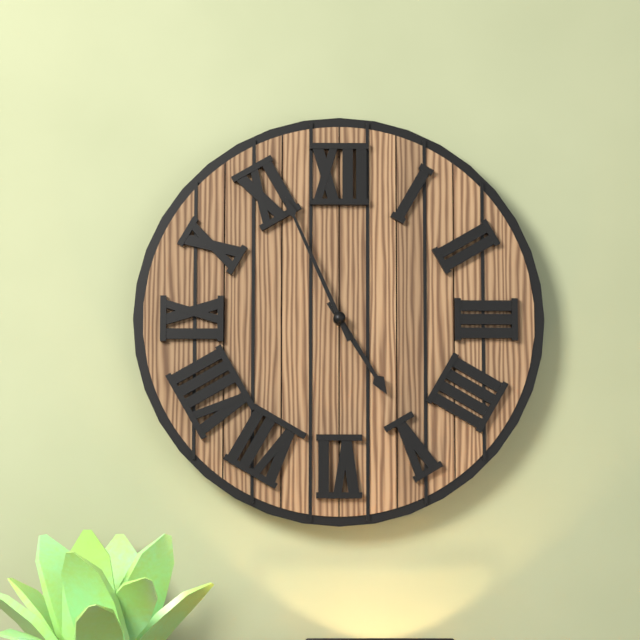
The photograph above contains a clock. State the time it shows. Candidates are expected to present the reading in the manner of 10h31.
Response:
4h56
